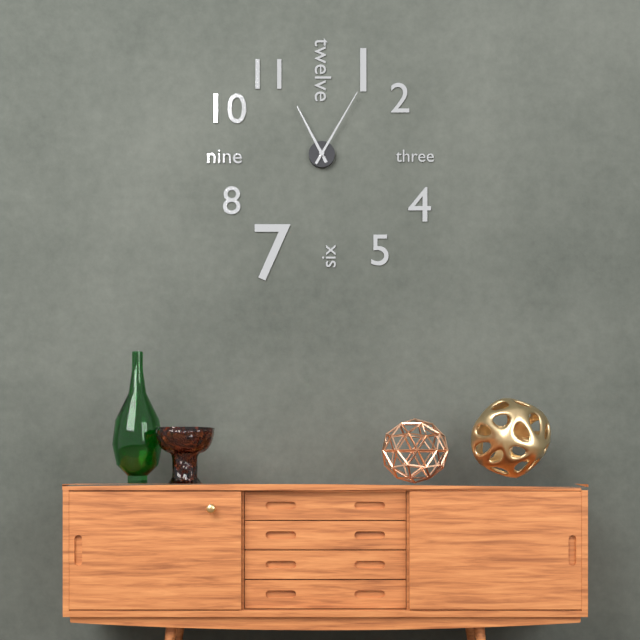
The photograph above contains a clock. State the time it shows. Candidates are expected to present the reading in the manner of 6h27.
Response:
11h05
